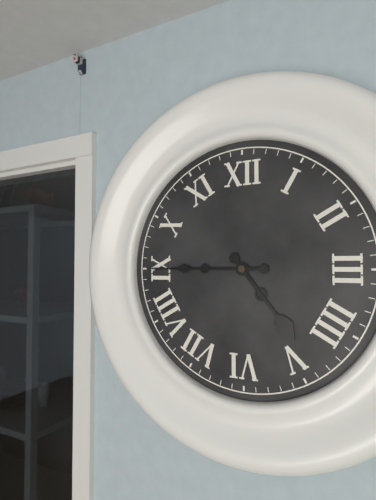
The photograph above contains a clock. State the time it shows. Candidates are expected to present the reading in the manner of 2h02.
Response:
4h45
